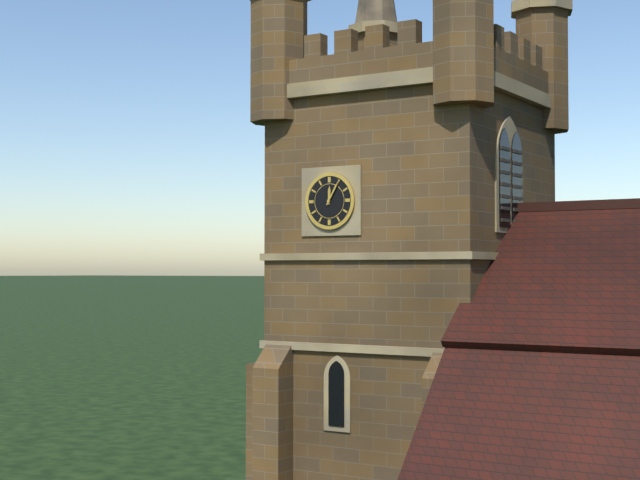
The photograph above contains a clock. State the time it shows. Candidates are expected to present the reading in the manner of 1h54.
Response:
12h05
